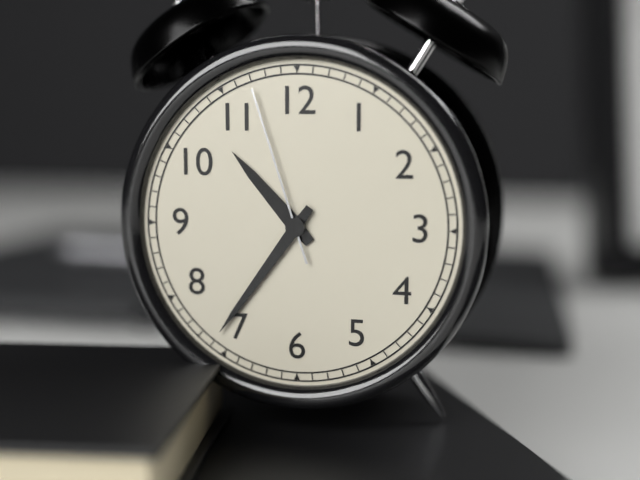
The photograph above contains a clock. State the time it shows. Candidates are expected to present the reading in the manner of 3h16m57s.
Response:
10h36m57s
